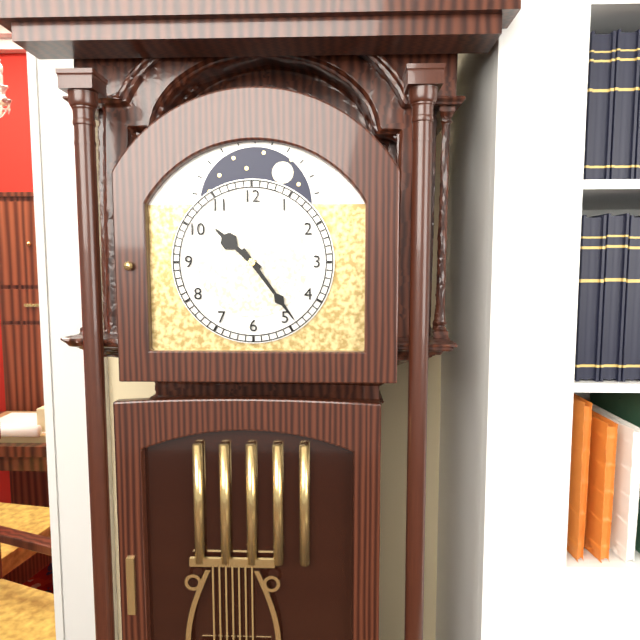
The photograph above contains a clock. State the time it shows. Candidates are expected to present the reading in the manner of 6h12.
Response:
10h24
